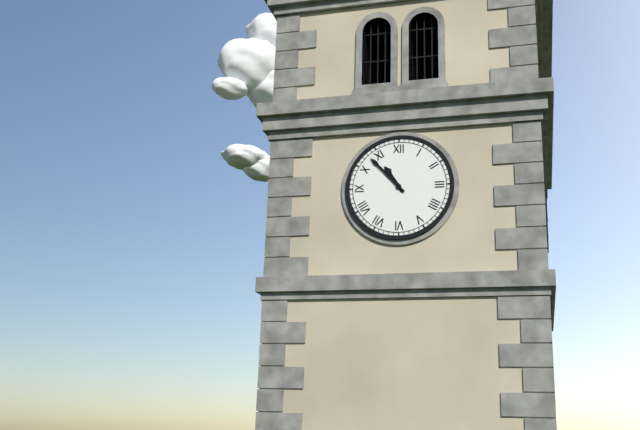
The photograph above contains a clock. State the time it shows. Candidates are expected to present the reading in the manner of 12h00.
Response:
10h53
